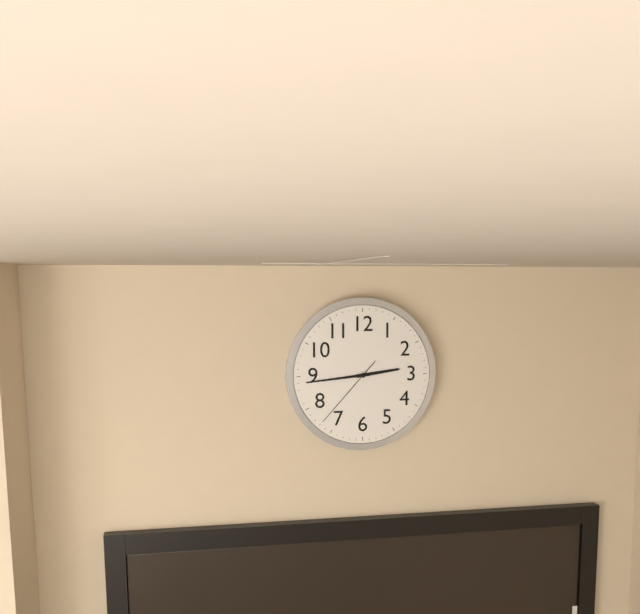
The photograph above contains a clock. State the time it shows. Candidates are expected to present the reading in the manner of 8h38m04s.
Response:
2h44m37s
